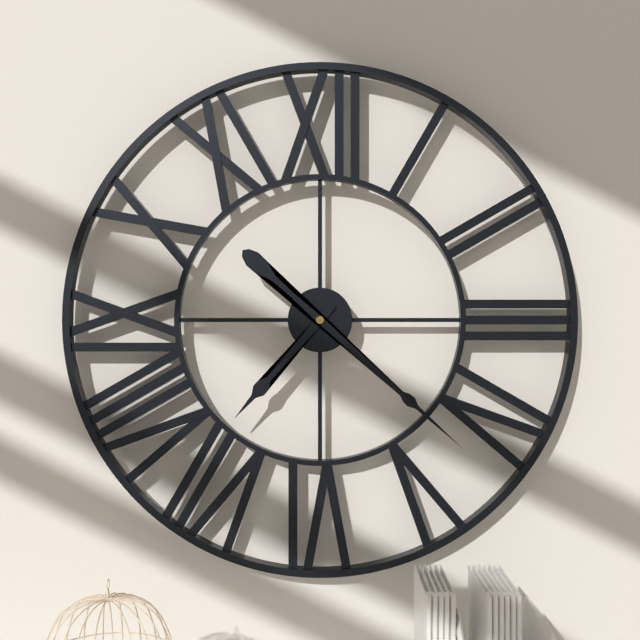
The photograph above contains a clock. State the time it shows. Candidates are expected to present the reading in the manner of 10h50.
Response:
7h22
